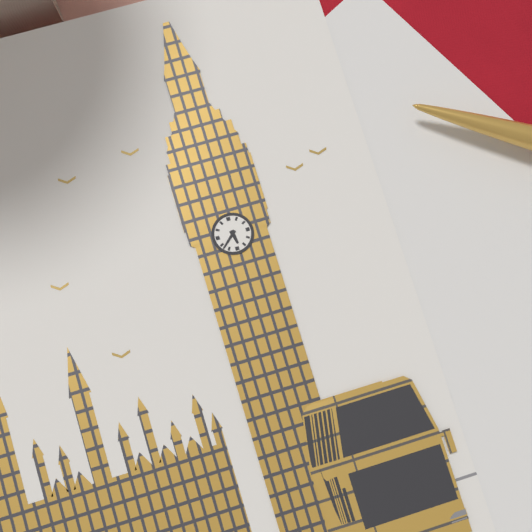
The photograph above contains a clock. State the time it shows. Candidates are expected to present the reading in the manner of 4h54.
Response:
5h38
